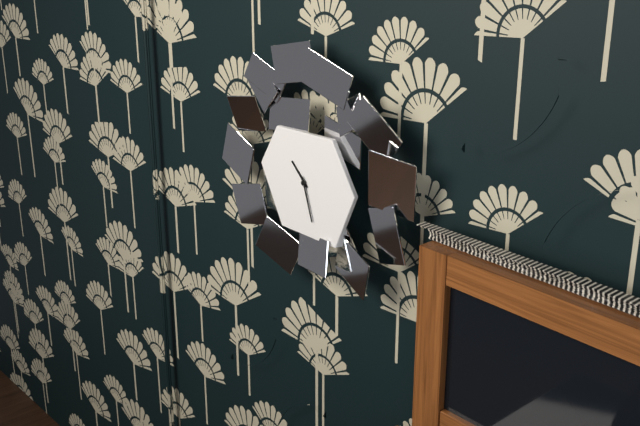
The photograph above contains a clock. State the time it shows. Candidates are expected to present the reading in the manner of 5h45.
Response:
10h27
